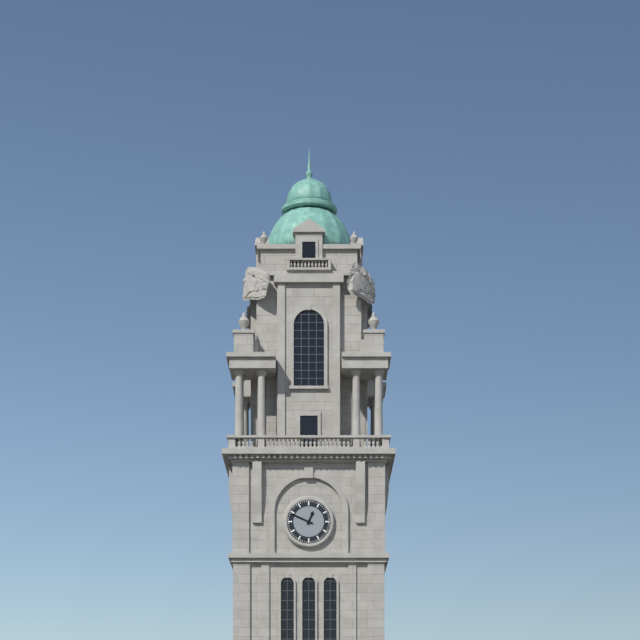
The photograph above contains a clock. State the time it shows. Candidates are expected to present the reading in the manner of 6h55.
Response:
12h49
